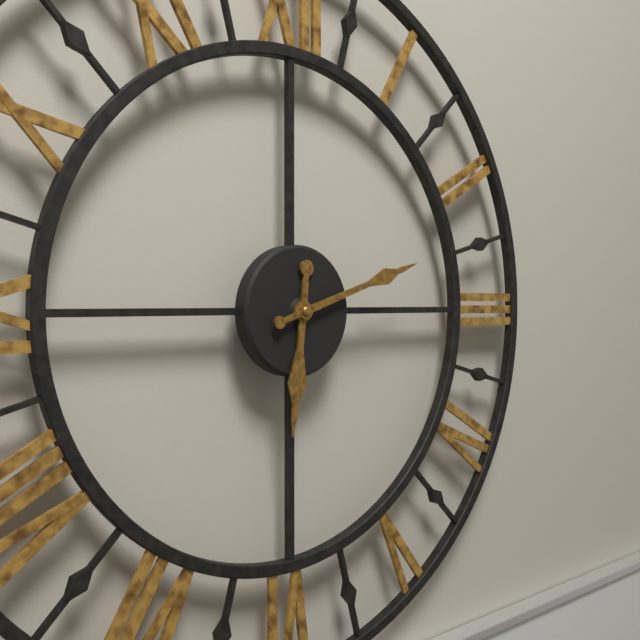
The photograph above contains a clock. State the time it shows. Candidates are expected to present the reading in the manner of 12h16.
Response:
6h12
